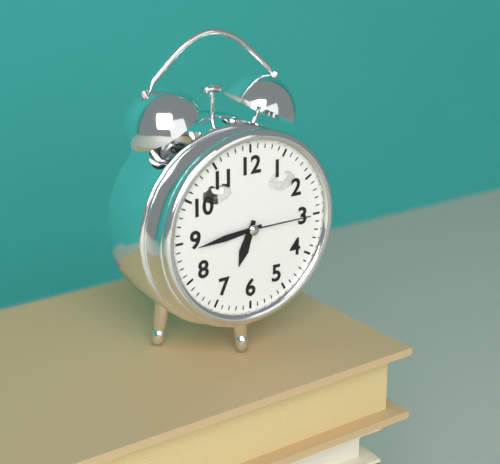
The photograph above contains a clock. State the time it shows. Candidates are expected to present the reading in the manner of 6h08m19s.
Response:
6h44m15s
